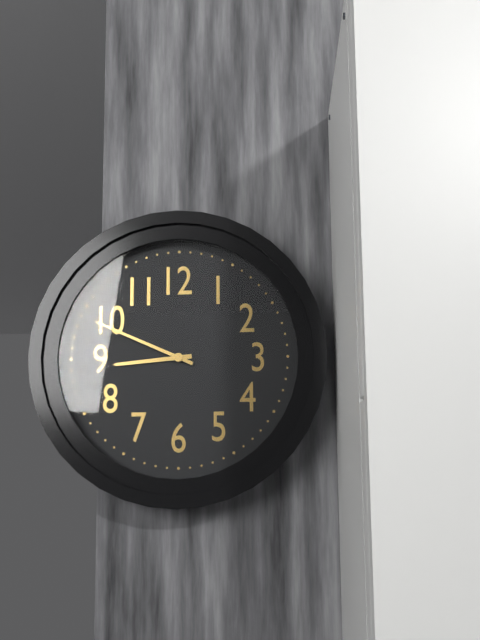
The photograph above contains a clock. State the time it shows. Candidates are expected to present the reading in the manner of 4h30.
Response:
8h49
